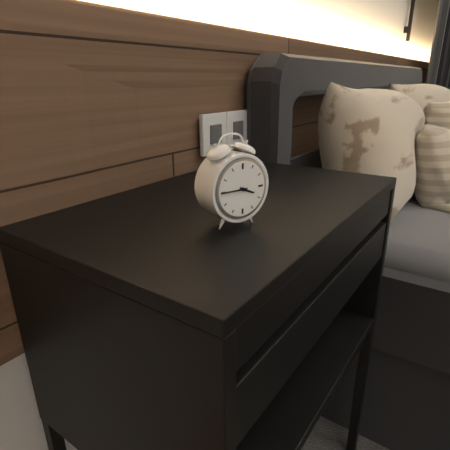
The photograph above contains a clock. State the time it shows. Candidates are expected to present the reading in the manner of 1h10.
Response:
3h45
